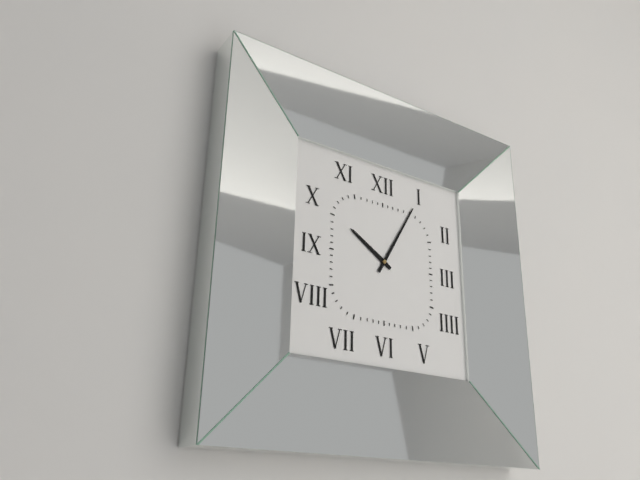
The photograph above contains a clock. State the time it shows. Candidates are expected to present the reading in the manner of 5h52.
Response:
10h05
